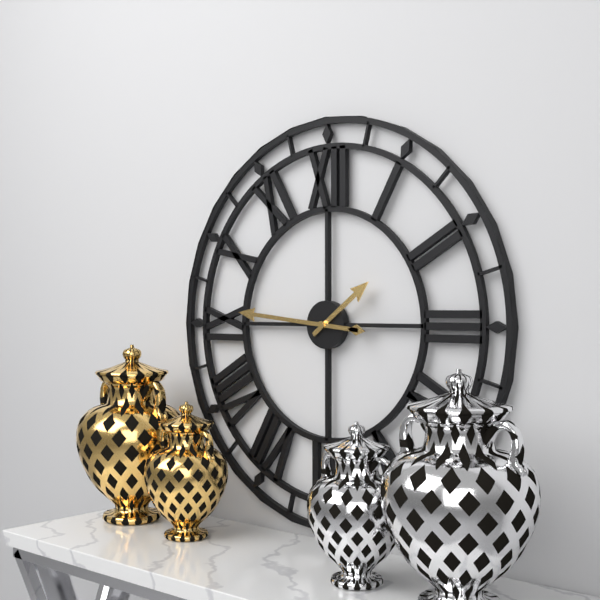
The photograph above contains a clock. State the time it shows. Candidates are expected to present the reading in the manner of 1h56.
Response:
1h46
